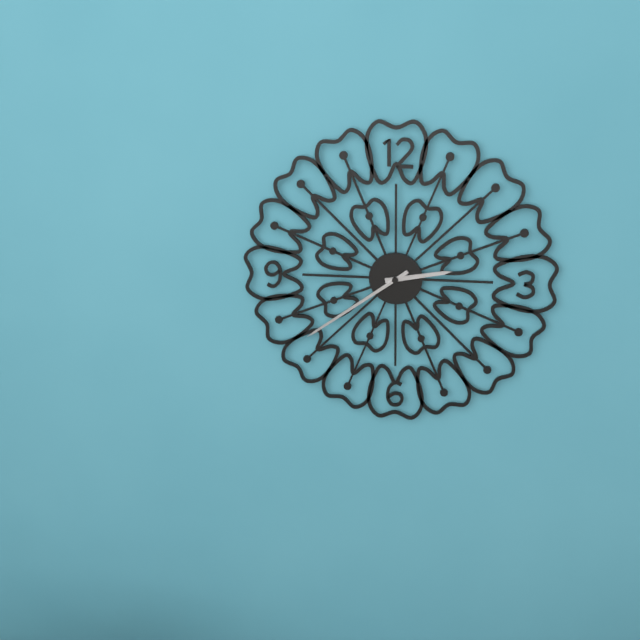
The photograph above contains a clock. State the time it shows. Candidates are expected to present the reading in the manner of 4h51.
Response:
2h39
